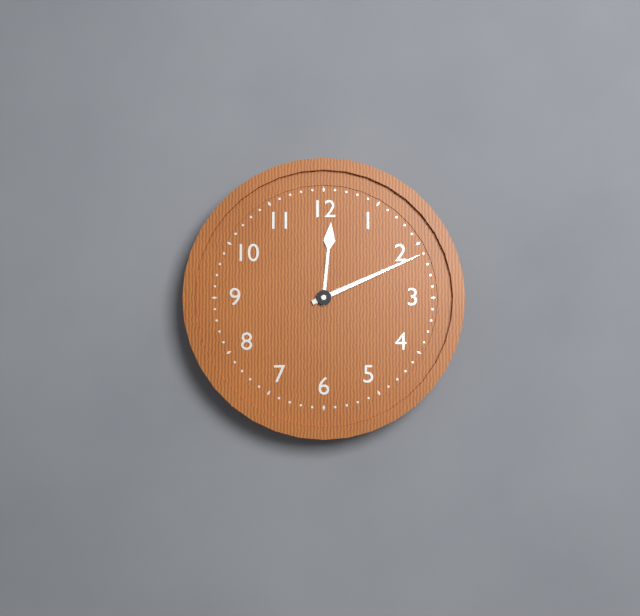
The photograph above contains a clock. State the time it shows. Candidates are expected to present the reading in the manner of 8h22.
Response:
12h11
